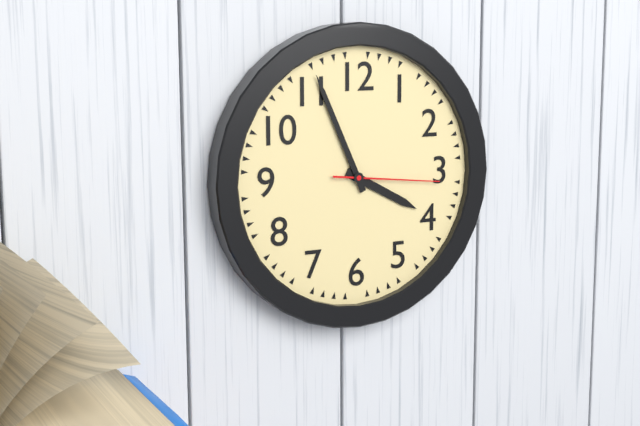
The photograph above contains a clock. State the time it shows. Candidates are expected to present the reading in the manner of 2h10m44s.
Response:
3h56m16s
